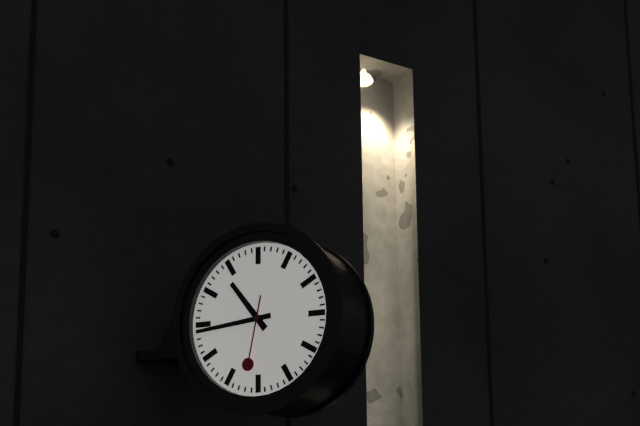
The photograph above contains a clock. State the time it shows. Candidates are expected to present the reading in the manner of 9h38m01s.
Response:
10h44m32s
